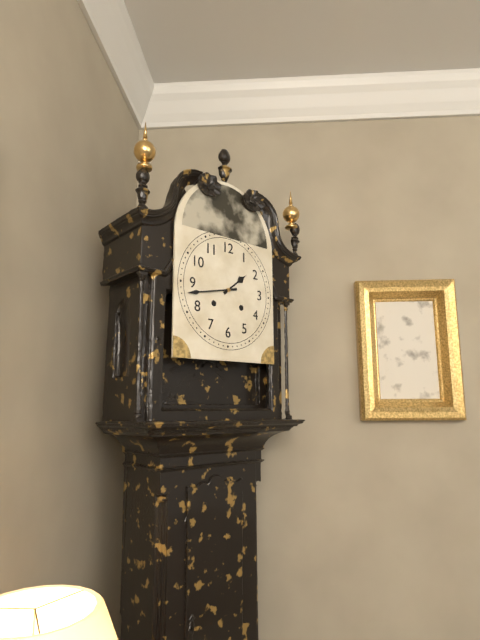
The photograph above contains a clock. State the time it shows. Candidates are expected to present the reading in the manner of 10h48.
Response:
1h43
